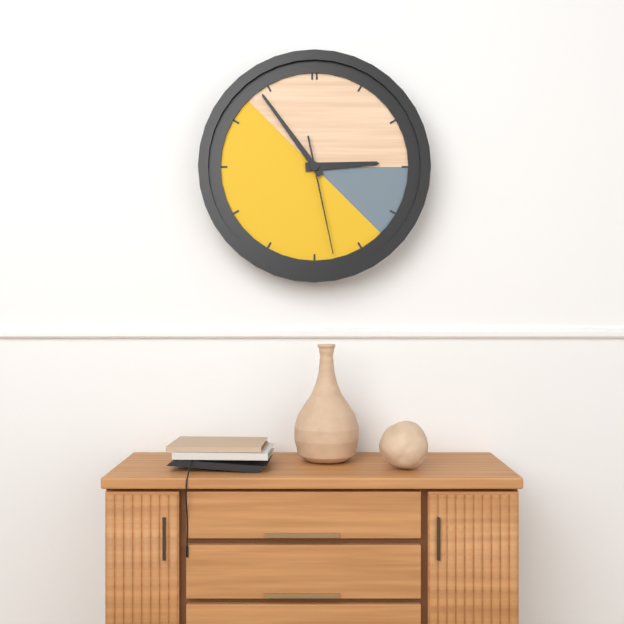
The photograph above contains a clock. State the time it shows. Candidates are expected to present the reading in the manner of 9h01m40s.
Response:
2h54m28s
